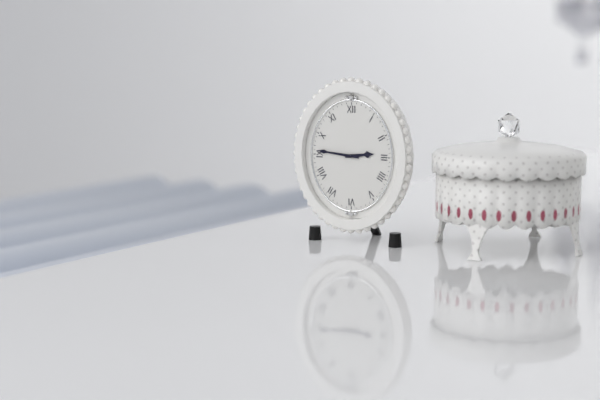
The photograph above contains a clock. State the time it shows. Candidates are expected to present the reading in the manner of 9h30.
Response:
2h46
